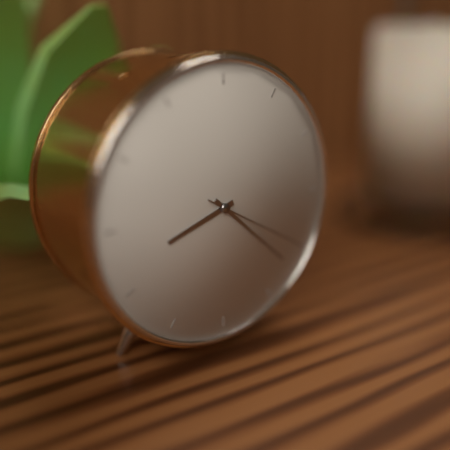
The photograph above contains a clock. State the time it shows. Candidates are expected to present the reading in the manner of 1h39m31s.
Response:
8h22m20s
